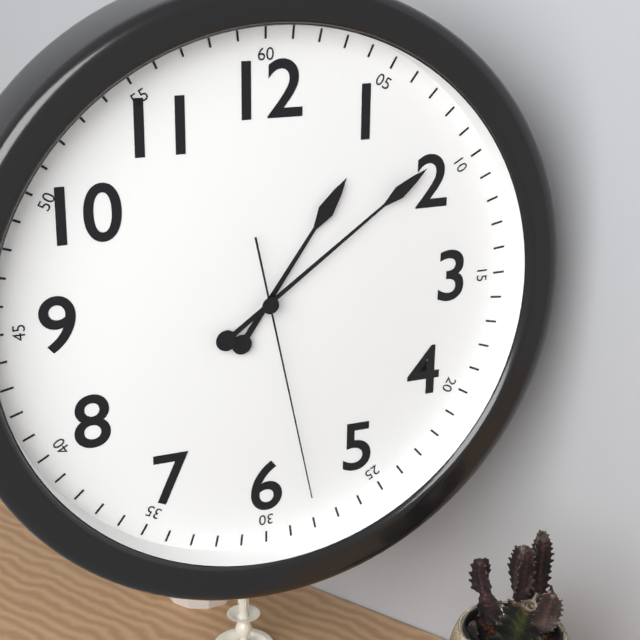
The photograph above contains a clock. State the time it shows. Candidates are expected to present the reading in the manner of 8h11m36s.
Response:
1h09m28s
